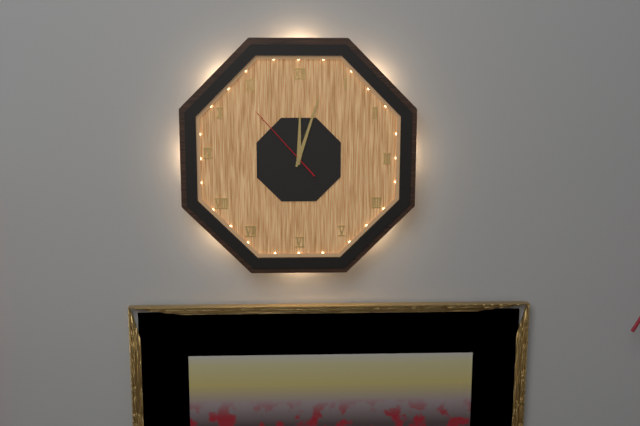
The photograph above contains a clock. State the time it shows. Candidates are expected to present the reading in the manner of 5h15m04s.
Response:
12h03m53s
